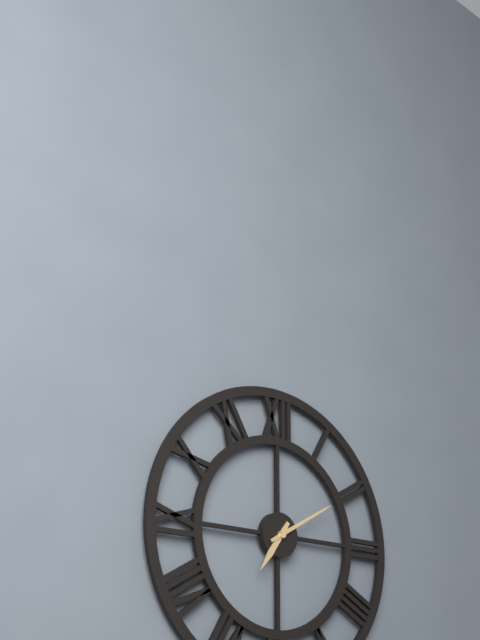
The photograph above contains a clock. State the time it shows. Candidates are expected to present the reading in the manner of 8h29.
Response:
7h10
